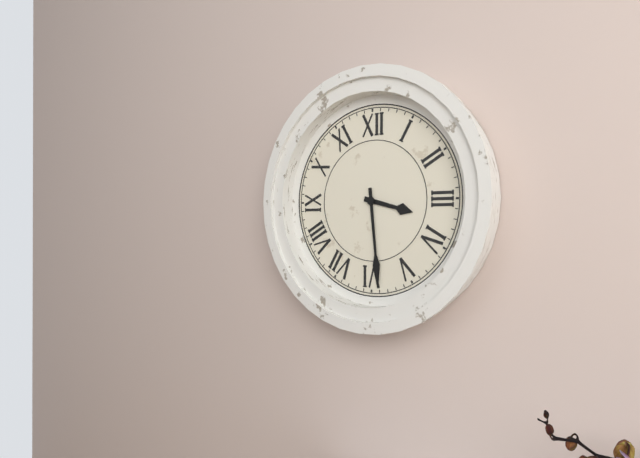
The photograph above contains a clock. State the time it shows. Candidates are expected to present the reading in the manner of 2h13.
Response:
3h29
